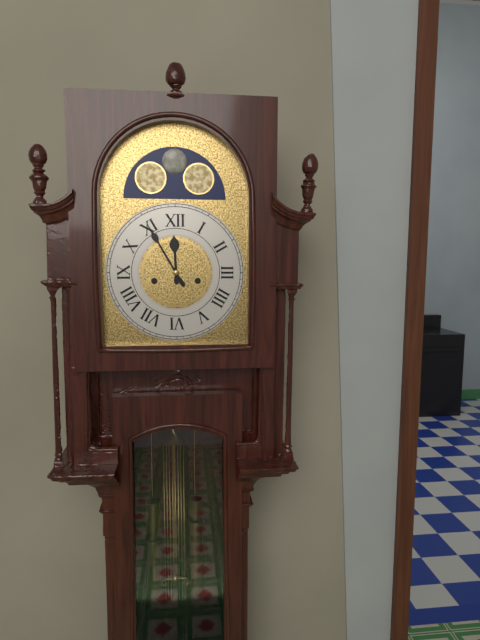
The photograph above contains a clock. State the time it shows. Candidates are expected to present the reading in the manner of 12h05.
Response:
11h55
